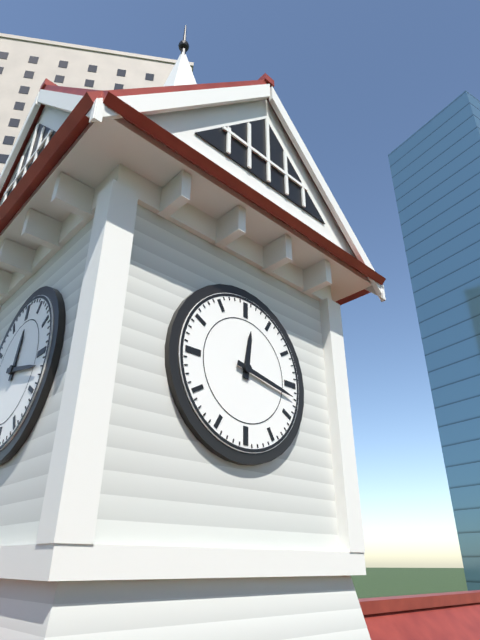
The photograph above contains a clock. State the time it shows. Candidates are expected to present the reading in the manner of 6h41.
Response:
12h17
